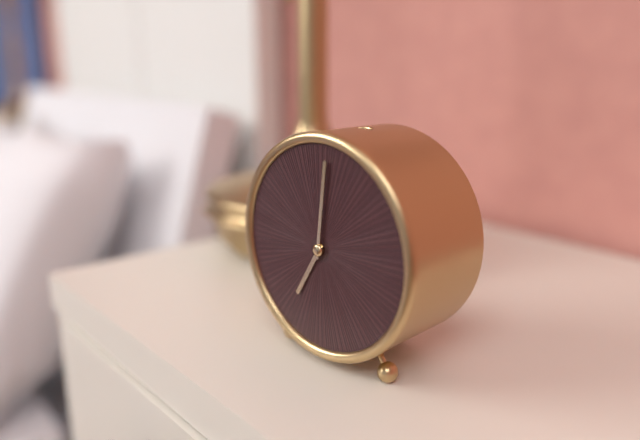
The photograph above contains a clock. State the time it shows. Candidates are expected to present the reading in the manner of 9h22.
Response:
7h01
